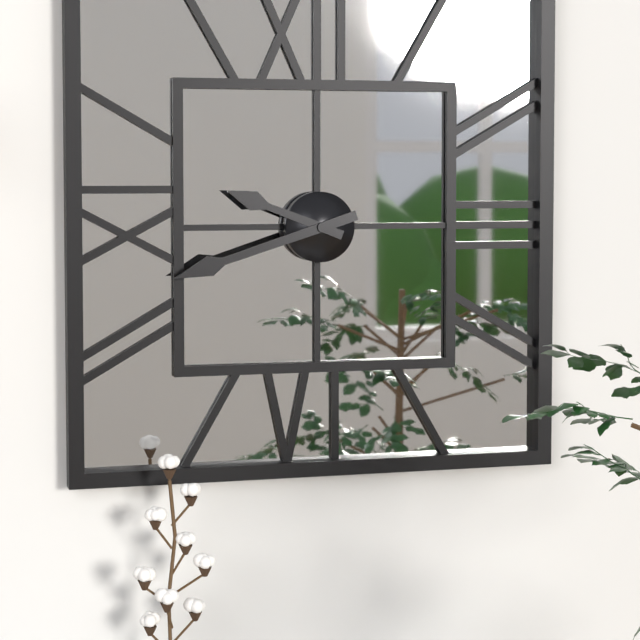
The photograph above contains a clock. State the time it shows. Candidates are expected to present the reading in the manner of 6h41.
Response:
9h42
